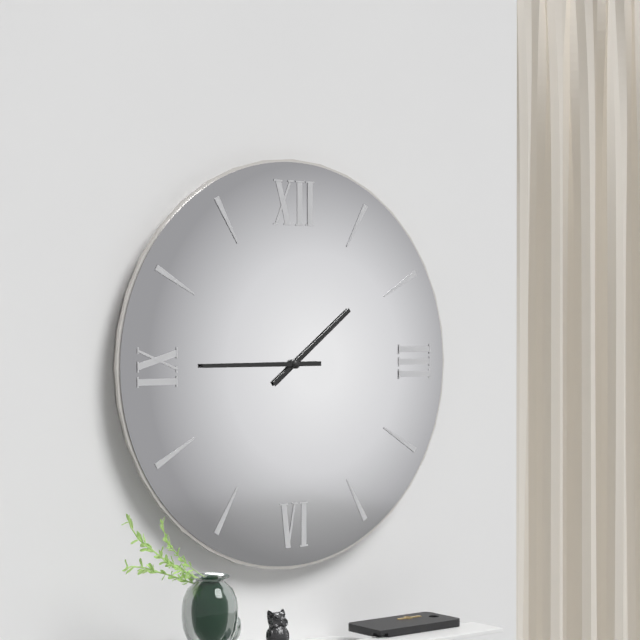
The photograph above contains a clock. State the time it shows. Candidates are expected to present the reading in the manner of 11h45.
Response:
1h45
